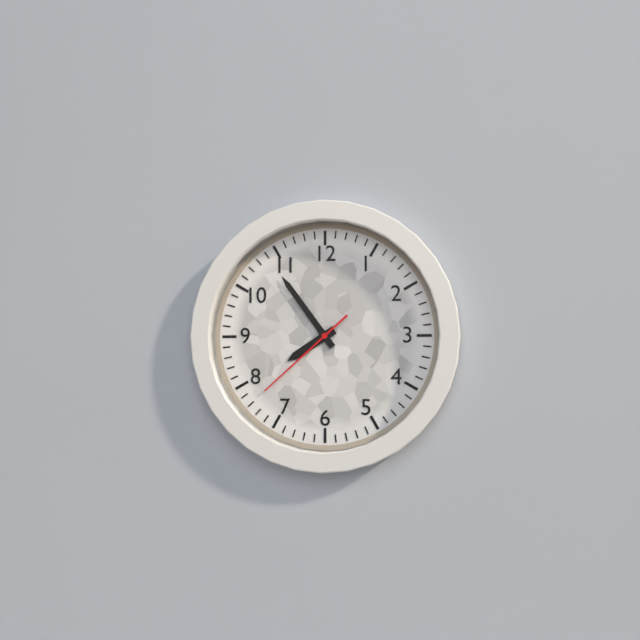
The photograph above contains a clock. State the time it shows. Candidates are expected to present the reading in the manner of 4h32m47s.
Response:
7h54m38s
